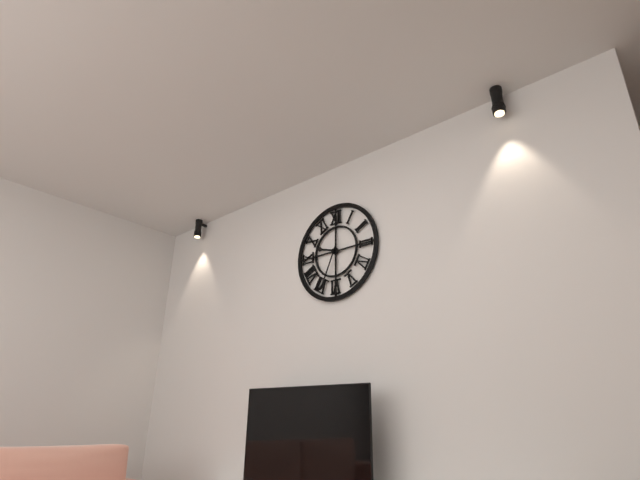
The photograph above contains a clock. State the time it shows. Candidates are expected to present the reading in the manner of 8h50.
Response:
9h34
